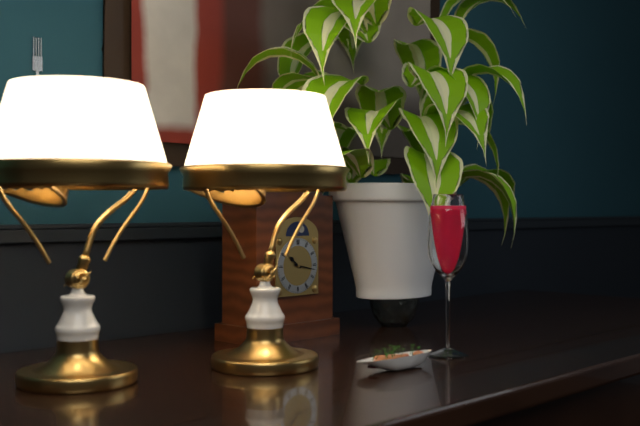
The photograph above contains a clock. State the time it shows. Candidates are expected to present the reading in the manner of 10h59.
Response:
10h17
